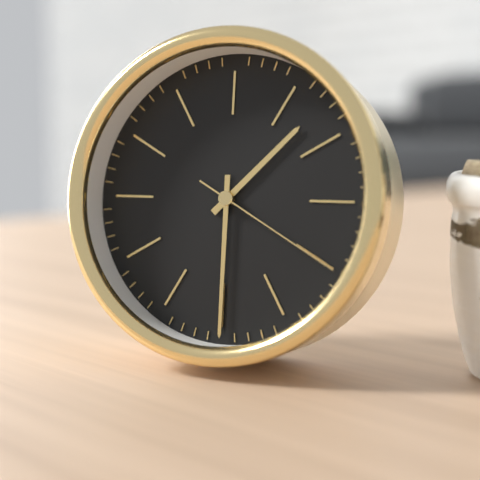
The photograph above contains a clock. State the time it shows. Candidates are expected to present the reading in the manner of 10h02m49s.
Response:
1h30m20s
